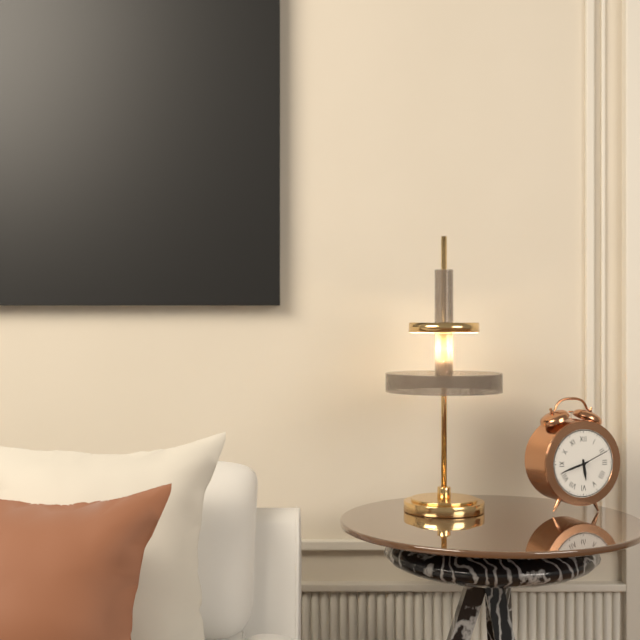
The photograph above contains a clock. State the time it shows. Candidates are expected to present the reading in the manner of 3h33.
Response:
5h42
